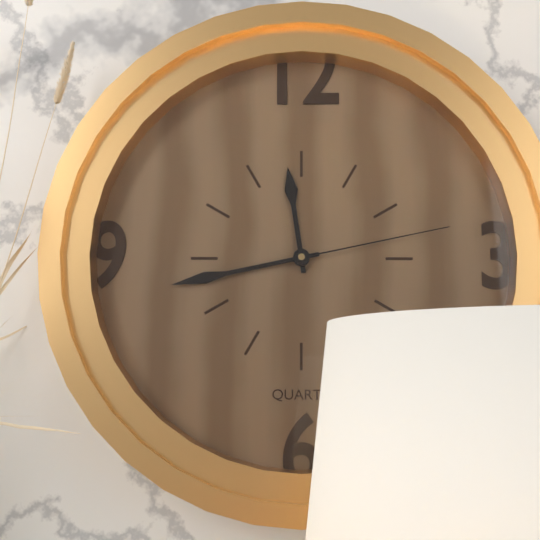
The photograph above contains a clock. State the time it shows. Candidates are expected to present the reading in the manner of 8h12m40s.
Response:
11h43m13s
